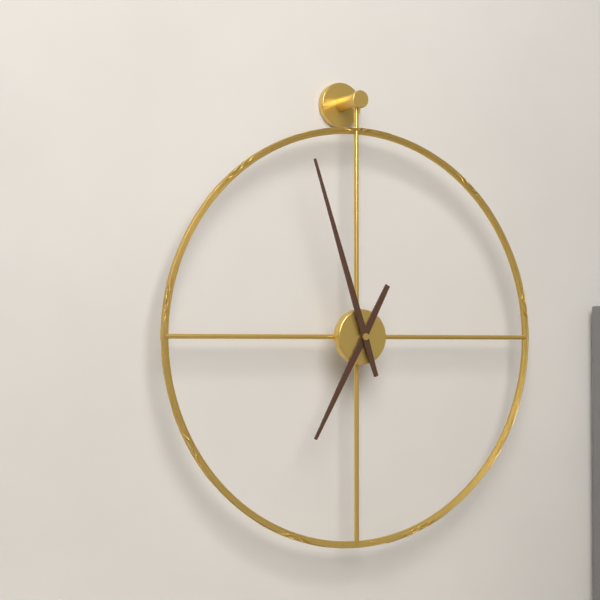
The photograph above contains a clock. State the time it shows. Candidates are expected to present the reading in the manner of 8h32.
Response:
6h57
